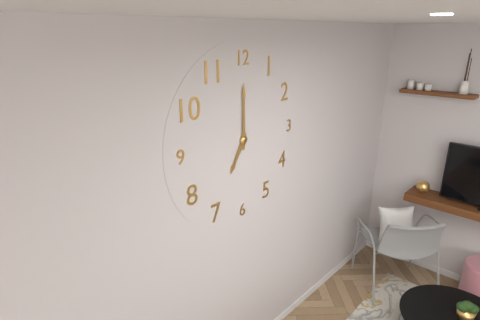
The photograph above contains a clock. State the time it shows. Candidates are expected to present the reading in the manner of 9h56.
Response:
7h00
